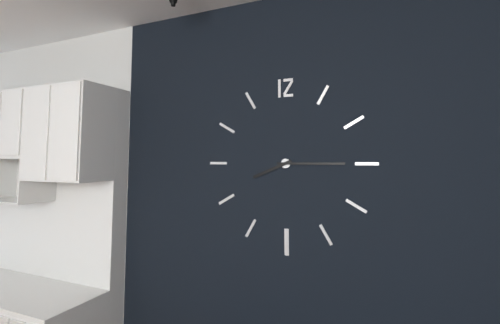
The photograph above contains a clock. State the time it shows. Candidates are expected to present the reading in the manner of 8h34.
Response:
8h15
